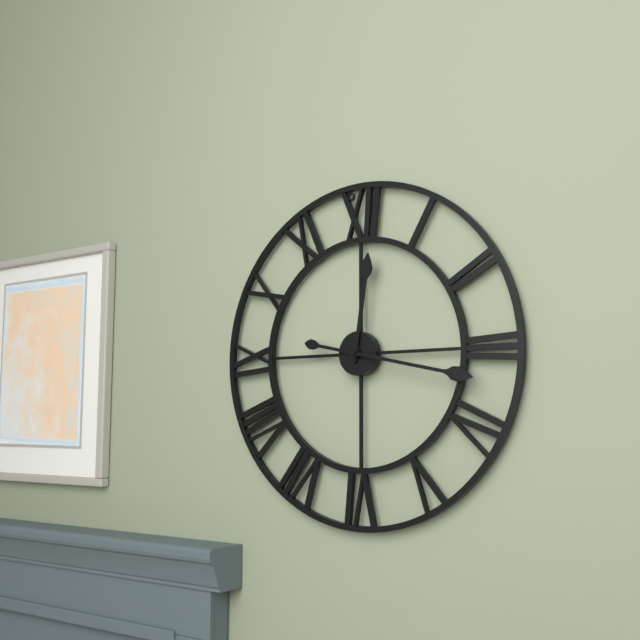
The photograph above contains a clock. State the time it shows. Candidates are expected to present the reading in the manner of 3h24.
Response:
12h17
